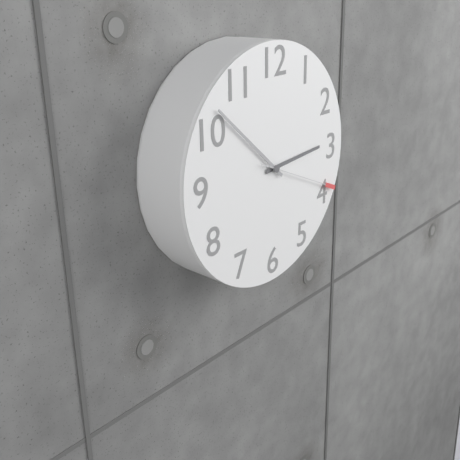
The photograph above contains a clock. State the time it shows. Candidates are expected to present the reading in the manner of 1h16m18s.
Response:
2h52m19s
